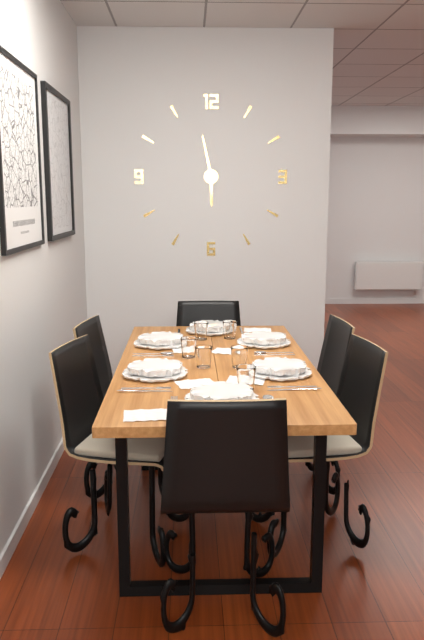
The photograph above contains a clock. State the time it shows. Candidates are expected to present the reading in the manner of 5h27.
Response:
5h58
